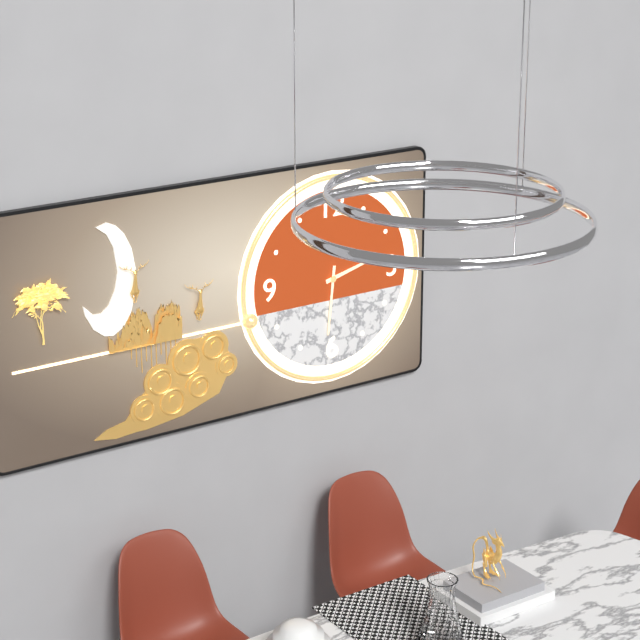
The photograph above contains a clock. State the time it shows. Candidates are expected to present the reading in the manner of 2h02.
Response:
2h31
